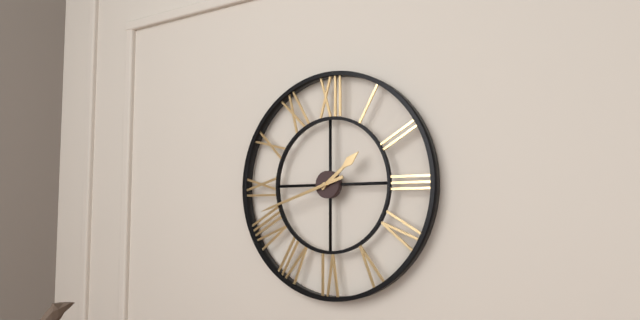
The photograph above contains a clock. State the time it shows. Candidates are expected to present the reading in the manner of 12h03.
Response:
1h42
